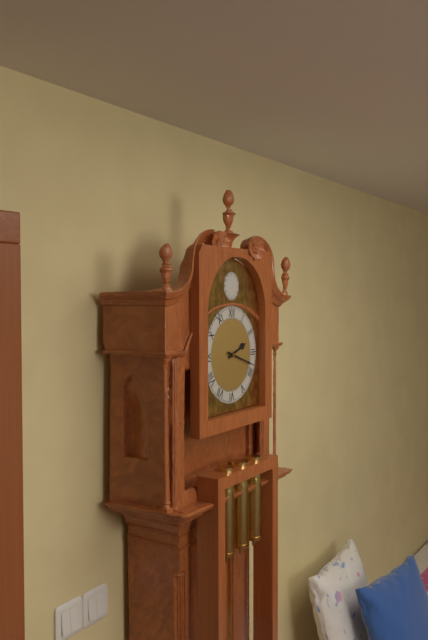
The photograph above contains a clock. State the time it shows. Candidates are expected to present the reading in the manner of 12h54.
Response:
2h18
